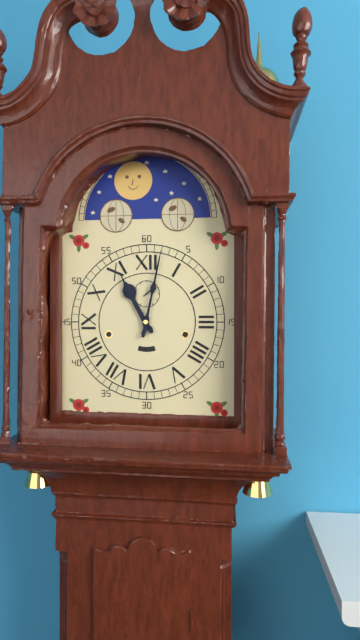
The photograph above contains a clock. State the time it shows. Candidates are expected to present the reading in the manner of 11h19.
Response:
11h02
